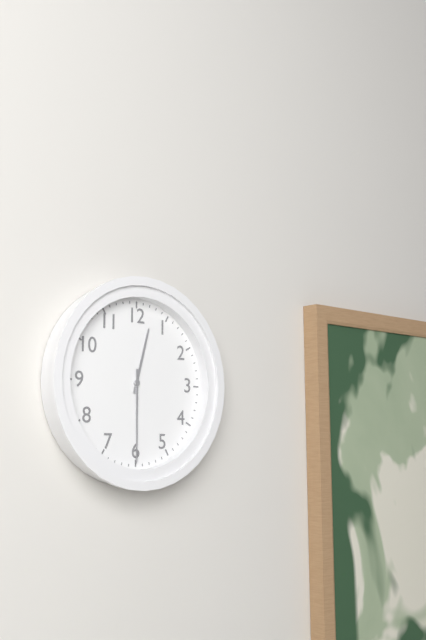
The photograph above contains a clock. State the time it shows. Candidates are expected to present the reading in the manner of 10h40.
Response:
12h30
